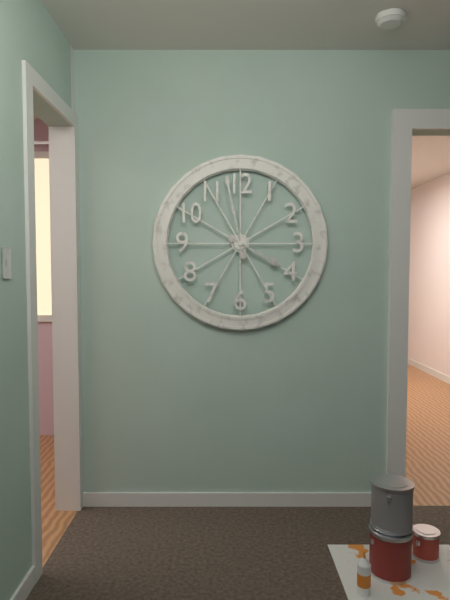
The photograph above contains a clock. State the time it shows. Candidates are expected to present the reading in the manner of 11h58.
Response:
3h58
